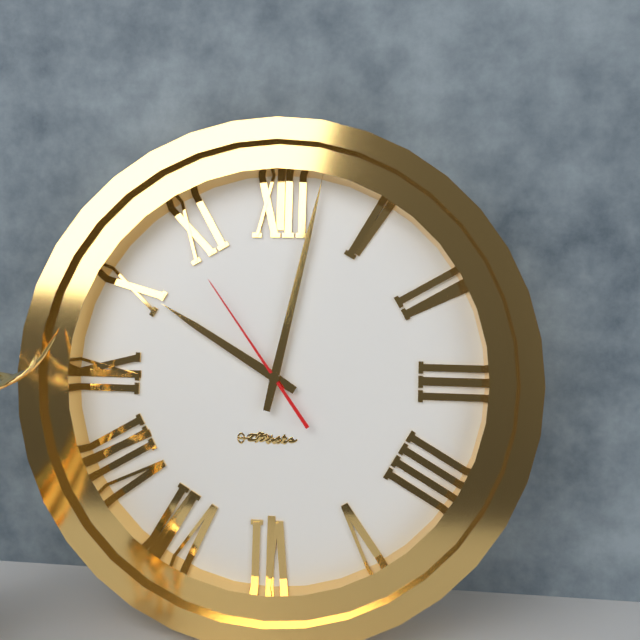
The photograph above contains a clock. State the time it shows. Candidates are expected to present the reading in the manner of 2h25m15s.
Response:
10h02m54s
